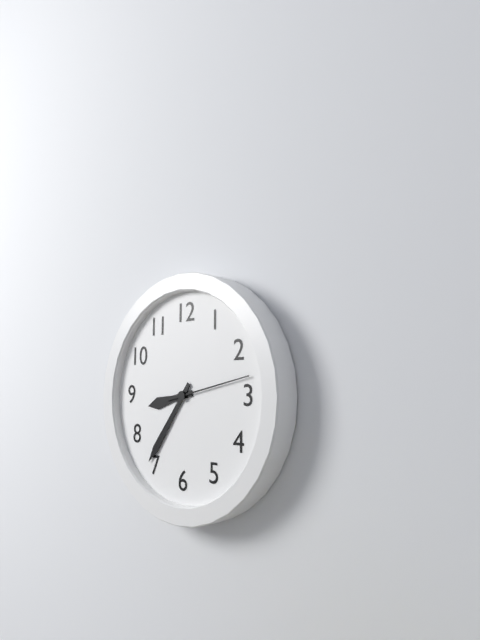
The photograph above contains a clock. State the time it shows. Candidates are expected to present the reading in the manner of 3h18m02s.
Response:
8h36m13s
